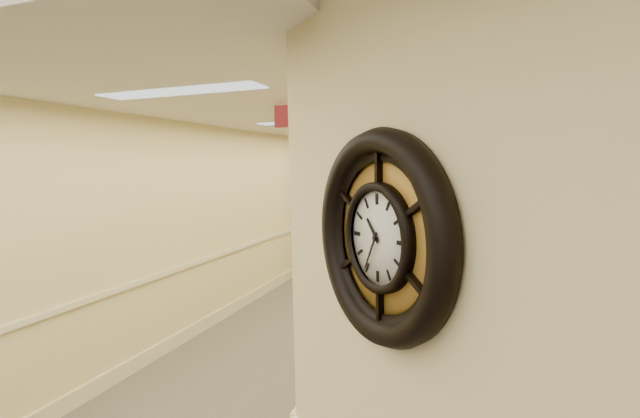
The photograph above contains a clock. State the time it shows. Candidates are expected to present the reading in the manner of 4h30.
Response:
10h35
